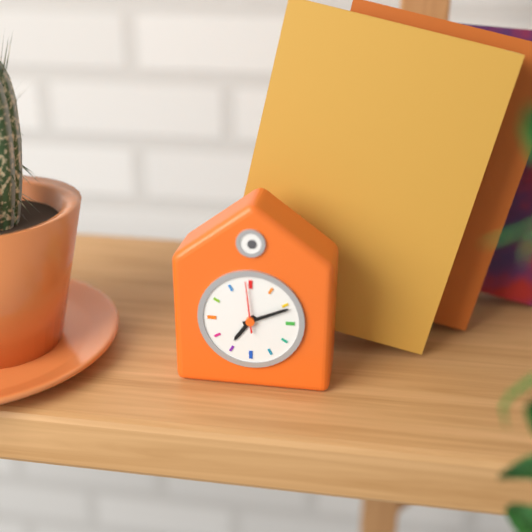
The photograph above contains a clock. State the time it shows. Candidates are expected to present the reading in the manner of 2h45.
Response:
7h11
